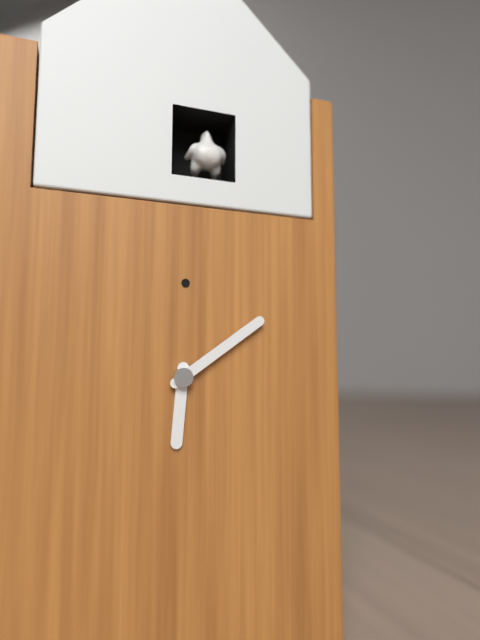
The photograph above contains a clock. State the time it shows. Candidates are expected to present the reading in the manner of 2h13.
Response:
6h09
